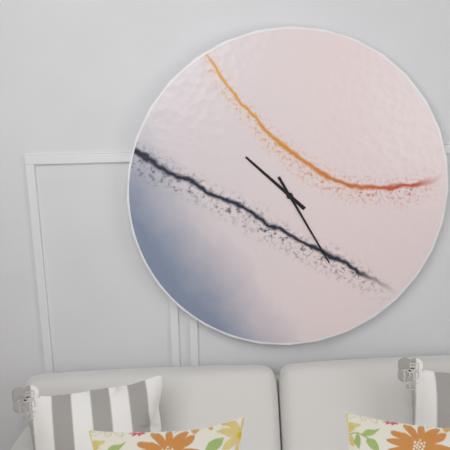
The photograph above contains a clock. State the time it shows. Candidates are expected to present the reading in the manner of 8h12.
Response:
10h25
